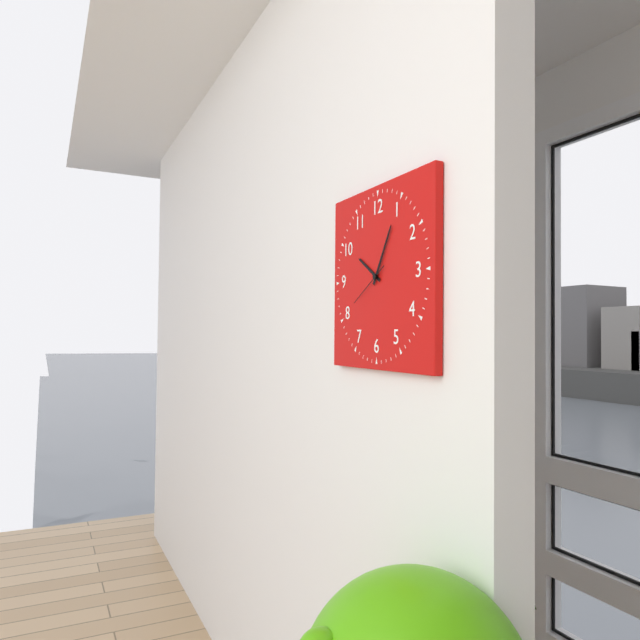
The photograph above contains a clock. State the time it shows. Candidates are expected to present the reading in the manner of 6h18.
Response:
10h05
